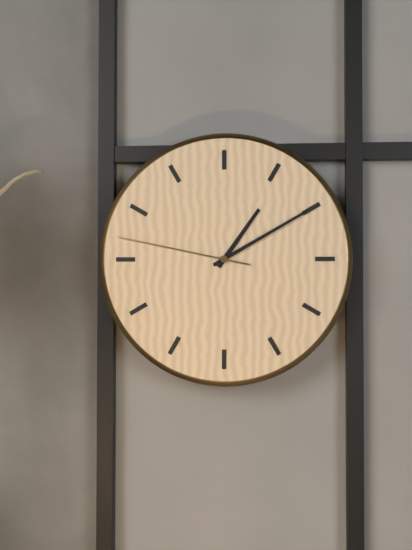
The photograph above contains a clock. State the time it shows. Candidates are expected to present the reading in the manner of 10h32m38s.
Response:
1h10m47s
